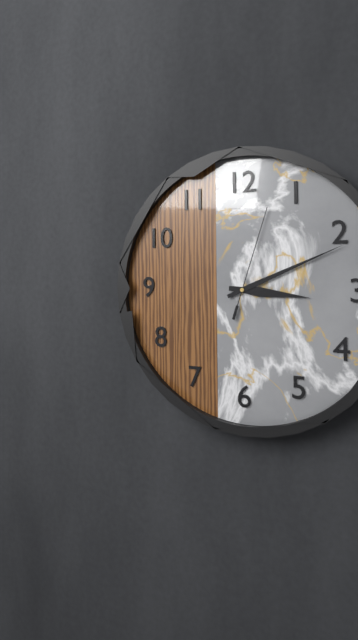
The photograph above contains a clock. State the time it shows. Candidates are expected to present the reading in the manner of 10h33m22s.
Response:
3h11m03s
